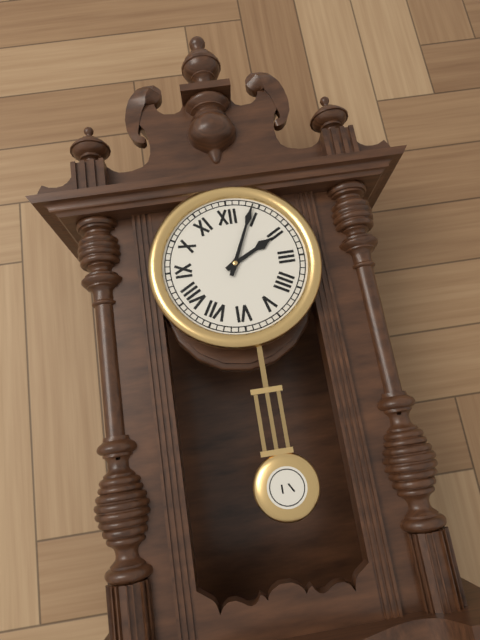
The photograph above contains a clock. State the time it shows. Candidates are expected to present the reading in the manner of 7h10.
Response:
2h04
